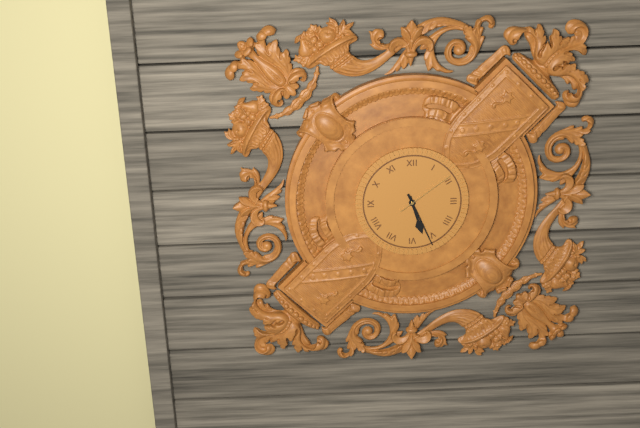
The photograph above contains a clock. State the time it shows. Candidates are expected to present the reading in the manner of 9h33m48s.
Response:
5h26m09s
